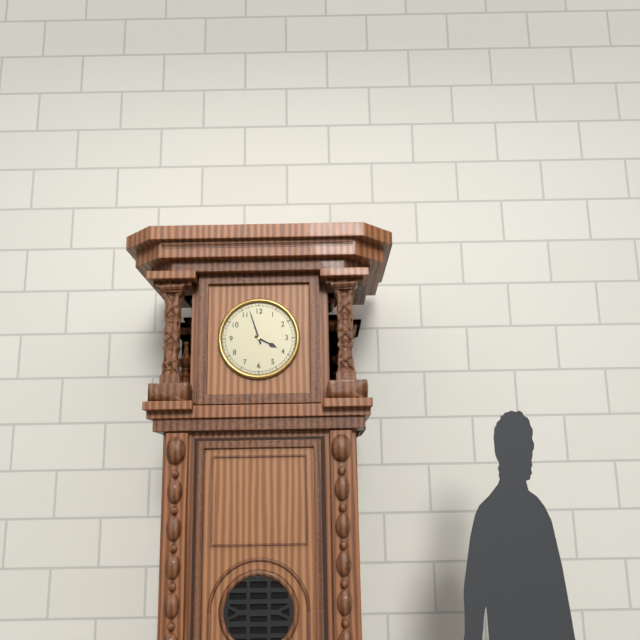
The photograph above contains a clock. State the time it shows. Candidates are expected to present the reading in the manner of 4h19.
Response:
3h57
